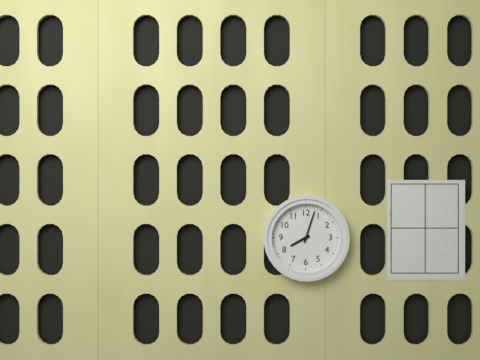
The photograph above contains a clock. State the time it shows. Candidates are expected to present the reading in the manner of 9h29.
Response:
8h03
